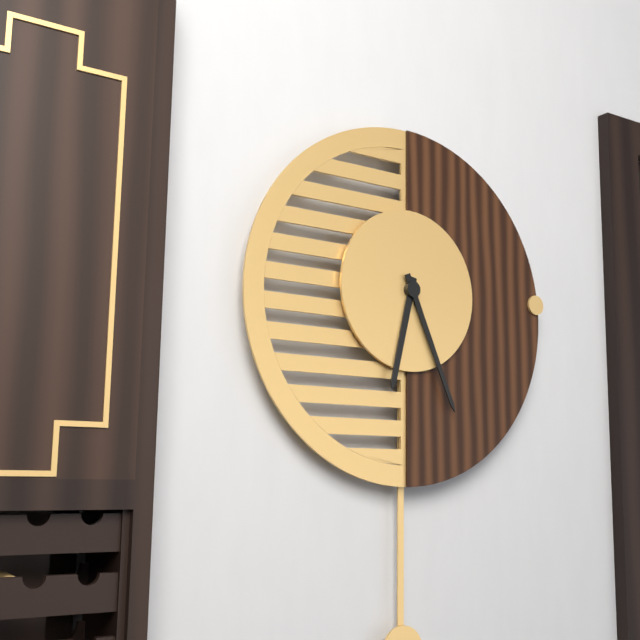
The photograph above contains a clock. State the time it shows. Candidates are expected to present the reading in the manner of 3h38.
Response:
6h26
